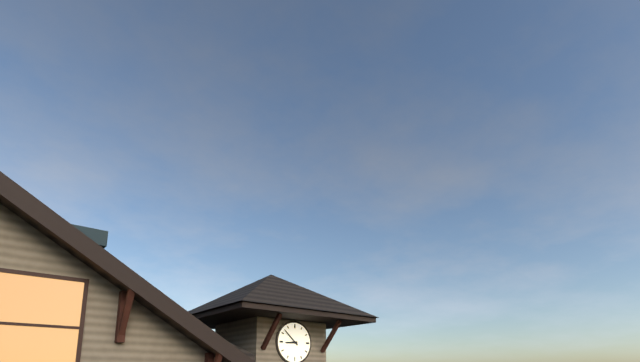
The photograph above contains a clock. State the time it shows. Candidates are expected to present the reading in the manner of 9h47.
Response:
8h52
